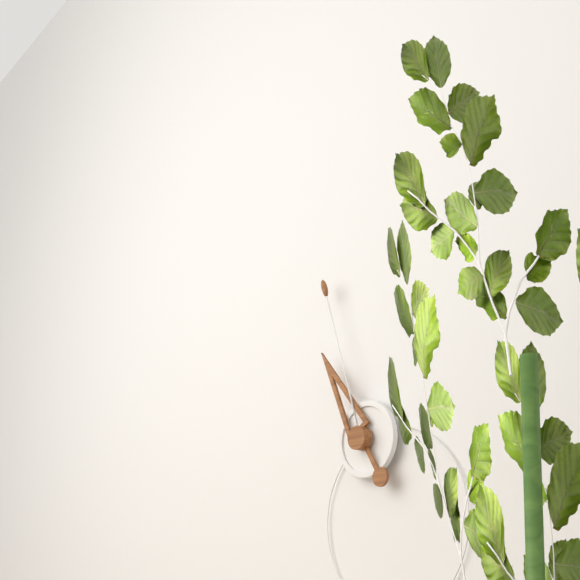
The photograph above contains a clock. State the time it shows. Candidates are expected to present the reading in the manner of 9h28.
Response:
10h57
